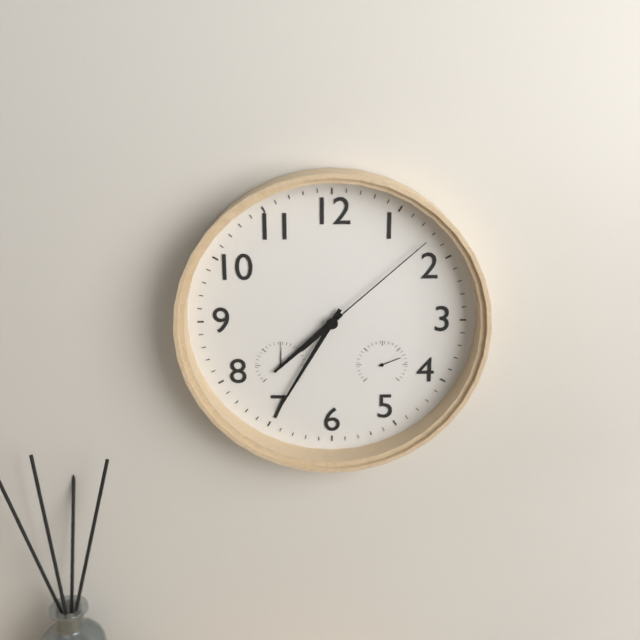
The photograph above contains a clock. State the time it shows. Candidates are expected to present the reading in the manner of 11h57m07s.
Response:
7h35m08s
